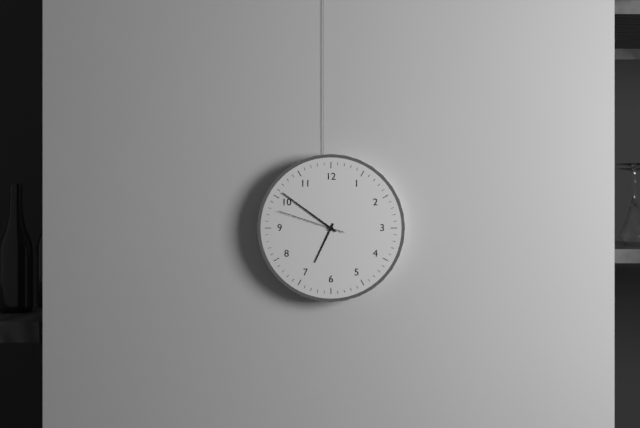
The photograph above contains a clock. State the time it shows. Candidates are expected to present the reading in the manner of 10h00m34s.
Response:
6h51m48s
